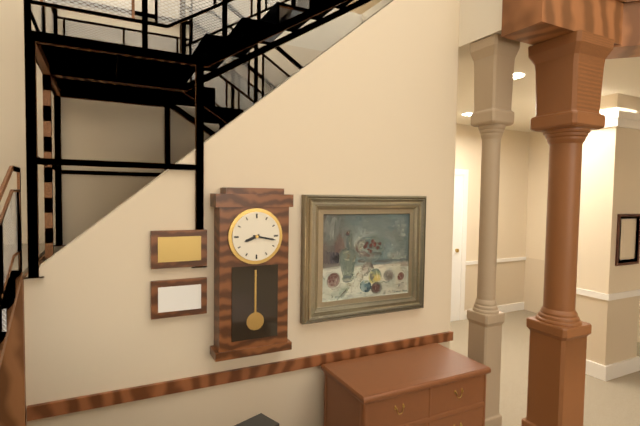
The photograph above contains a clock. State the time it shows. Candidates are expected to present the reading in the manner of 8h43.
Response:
8h17
